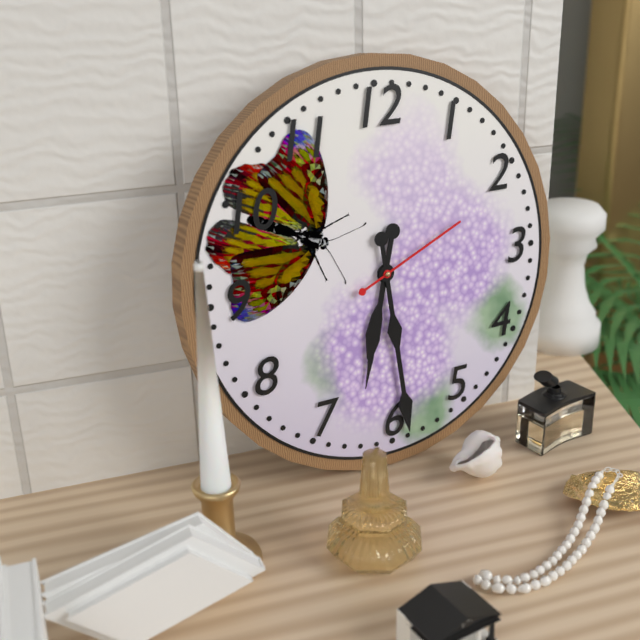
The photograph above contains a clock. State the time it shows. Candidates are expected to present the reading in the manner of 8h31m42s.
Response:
6h29m11s
